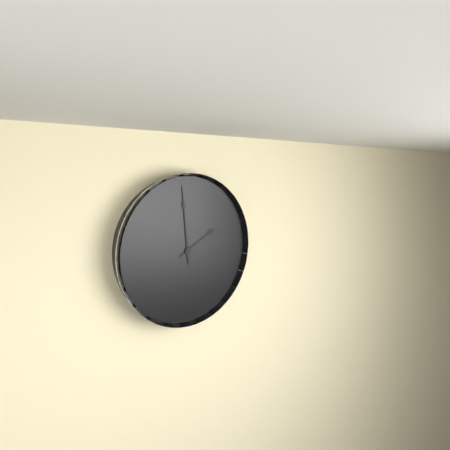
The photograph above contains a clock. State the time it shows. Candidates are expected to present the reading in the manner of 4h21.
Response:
1h59
